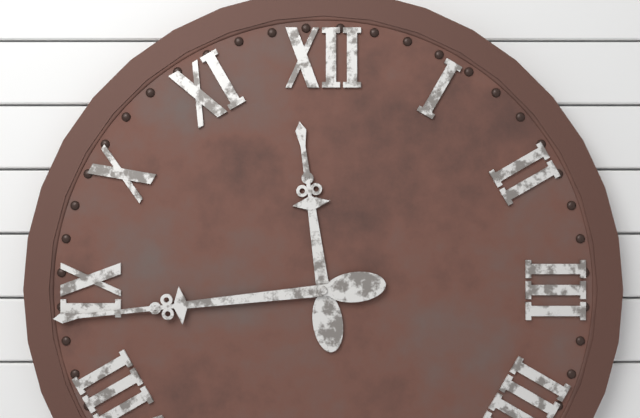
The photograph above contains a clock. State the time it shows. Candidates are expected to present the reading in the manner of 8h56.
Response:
11h44
